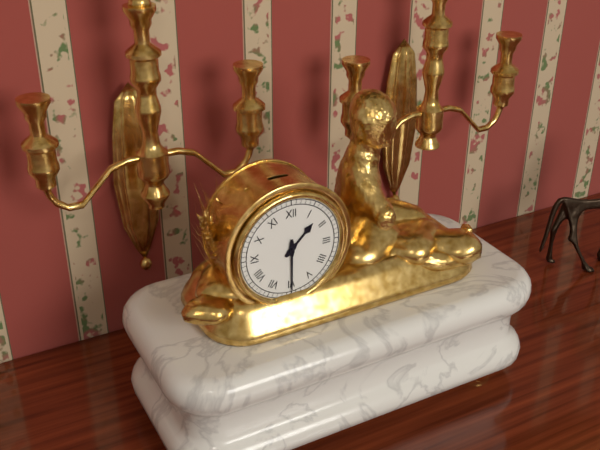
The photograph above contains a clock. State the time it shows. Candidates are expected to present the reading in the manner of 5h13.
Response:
1h30
